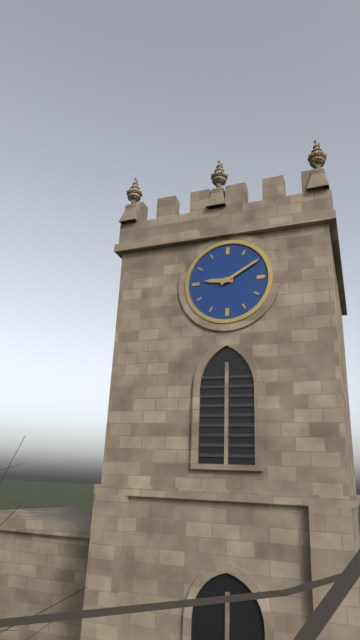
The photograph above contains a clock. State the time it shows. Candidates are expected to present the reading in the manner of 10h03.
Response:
9h10
